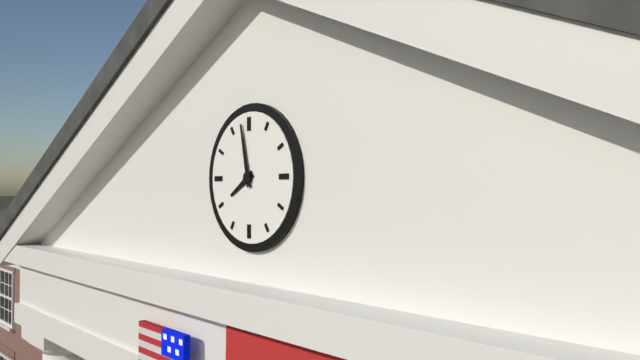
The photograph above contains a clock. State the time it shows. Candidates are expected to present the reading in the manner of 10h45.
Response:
7h58
